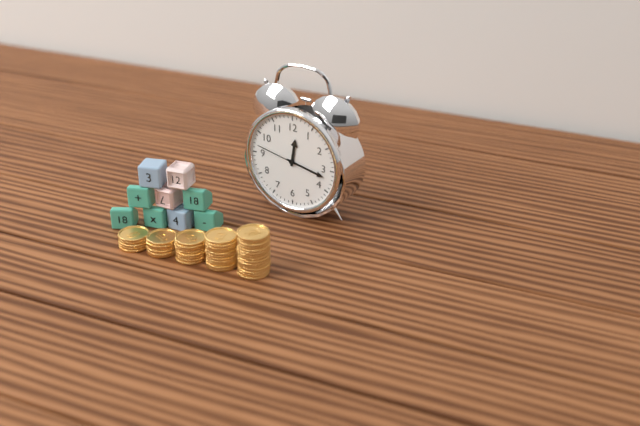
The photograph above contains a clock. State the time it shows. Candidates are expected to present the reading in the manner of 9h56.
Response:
12h17
